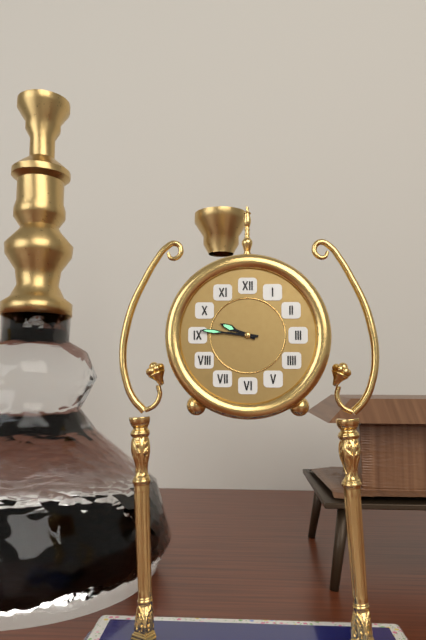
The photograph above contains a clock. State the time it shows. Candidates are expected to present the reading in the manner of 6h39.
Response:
9h46
